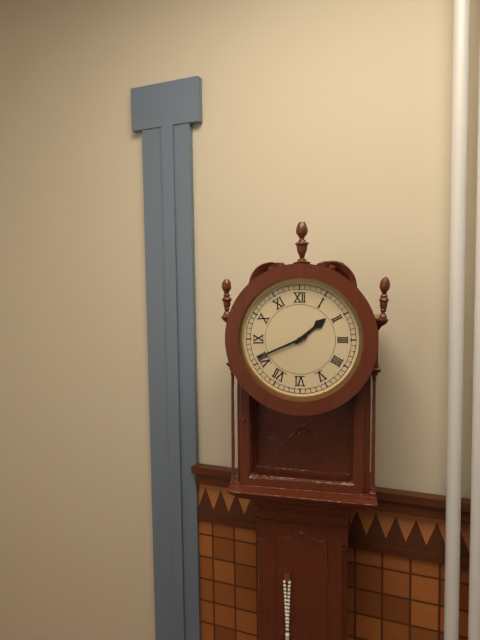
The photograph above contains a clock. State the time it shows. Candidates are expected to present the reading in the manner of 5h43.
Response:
1h41
